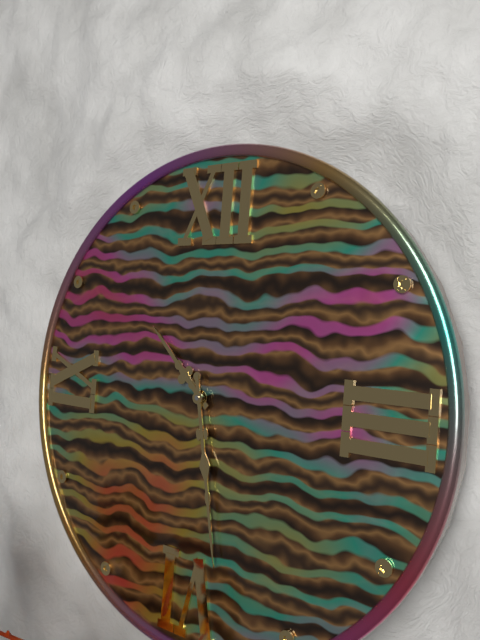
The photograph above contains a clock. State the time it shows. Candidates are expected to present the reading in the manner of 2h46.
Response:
10h28
